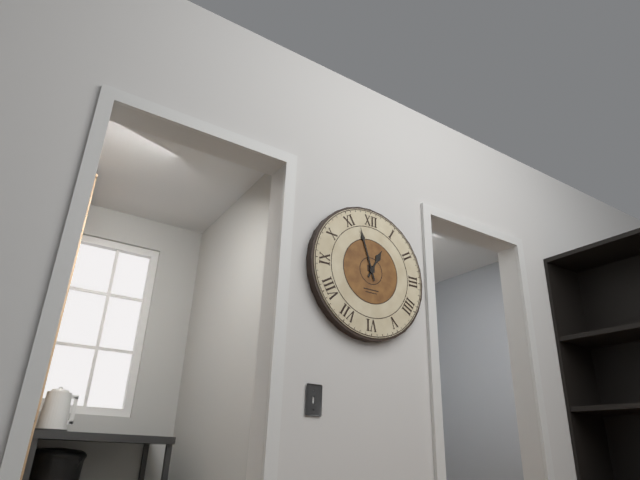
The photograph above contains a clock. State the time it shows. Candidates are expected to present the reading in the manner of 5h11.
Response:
12h57
